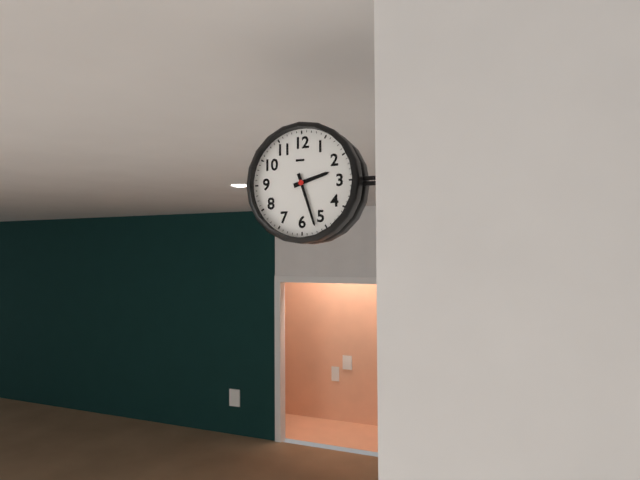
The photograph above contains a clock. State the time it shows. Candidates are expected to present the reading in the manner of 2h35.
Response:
2h27
